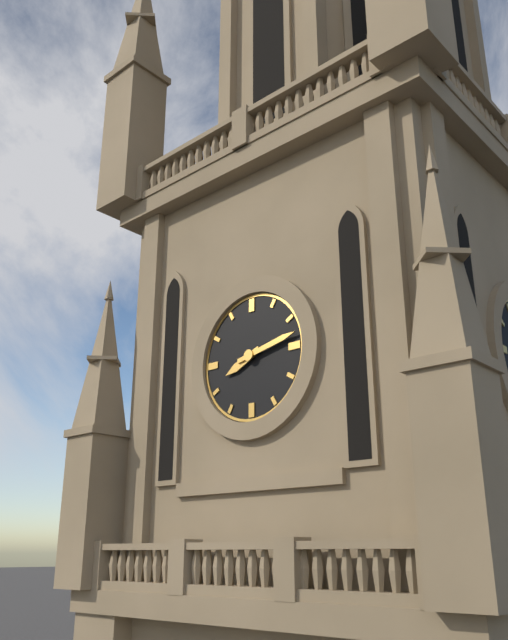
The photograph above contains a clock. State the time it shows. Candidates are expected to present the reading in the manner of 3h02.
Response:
8h13
